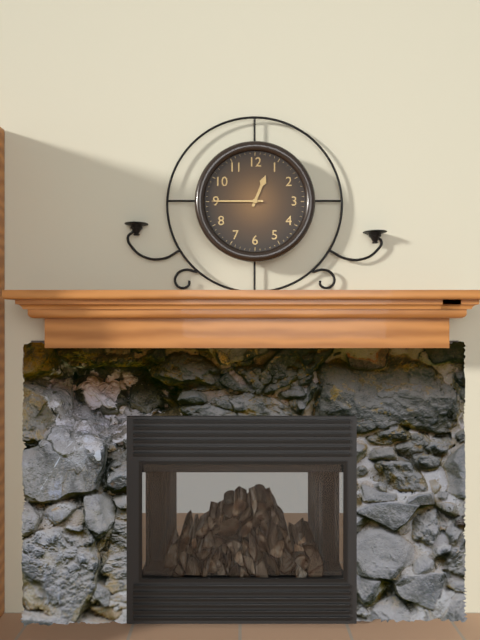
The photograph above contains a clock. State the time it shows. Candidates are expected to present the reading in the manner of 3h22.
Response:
12h45
